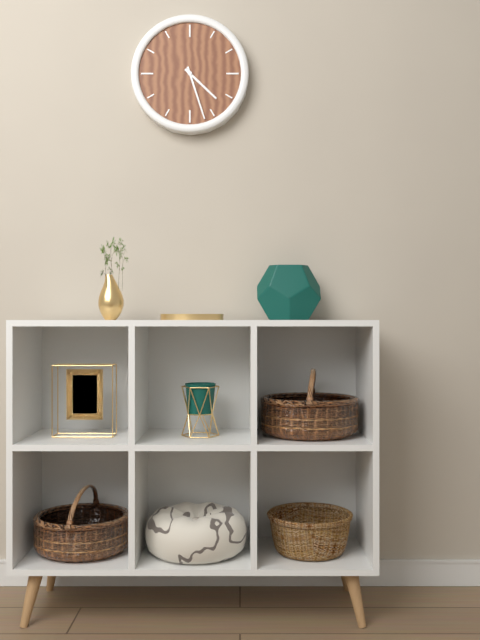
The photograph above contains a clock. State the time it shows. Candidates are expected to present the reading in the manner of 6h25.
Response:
4h27
